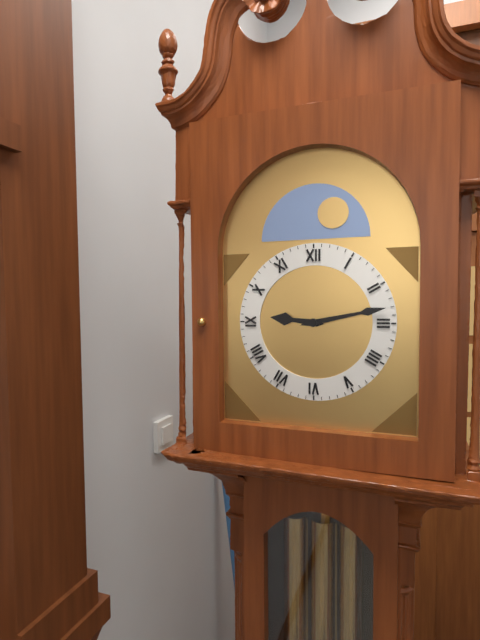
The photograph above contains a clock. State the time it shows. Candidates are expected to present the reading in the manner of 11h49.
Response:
9h13
